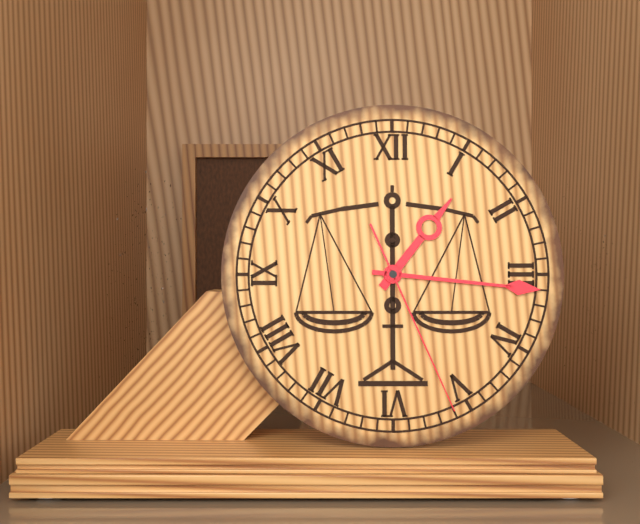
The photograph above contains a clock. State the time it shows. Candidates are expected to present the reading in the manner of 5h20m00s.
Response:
1h16m26s
